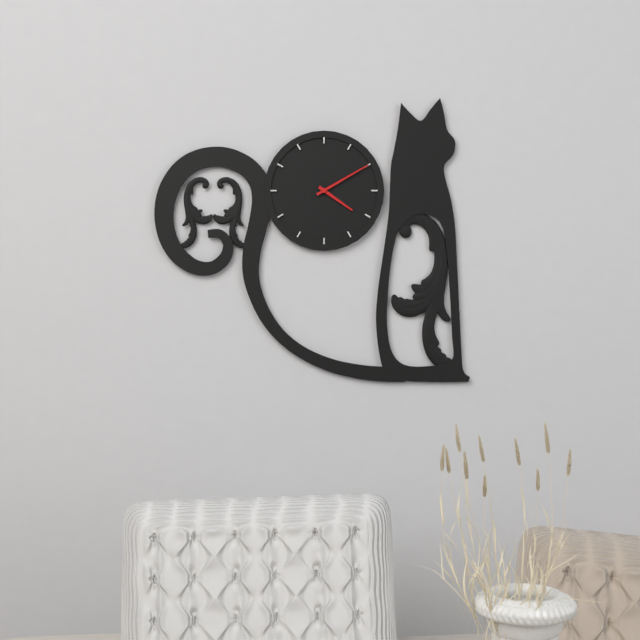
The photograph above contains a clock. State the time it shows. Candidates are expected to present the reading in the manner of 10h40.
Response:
4h10
